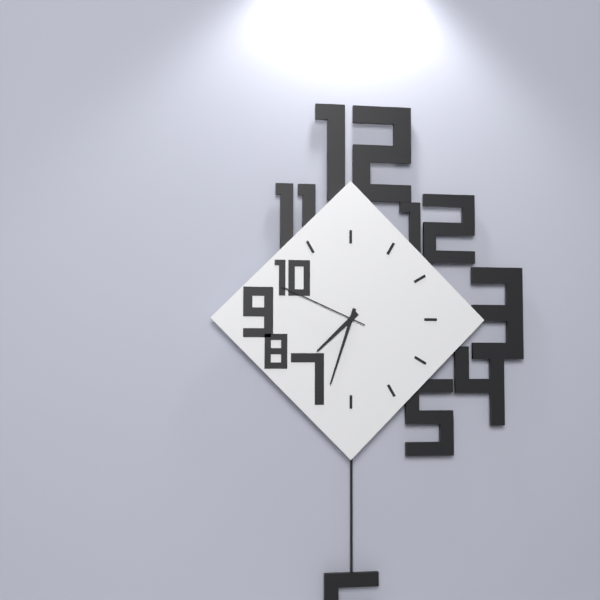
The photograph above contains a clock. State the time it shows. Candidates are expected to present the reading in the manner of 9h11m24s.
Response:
7h33m49s
